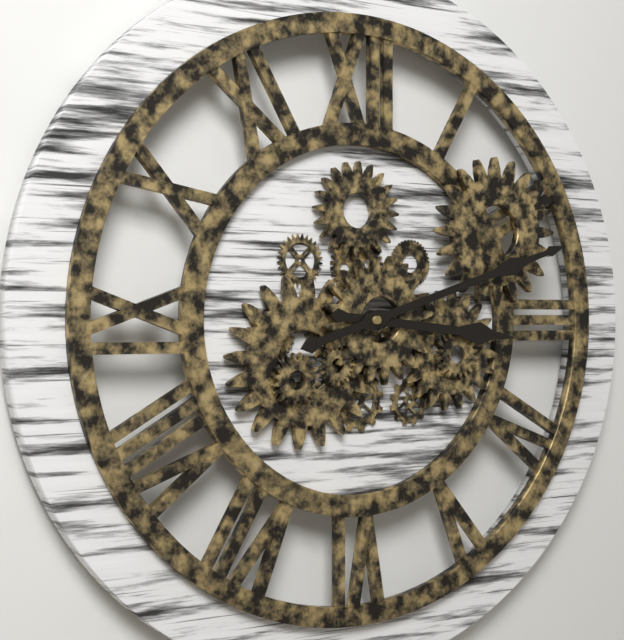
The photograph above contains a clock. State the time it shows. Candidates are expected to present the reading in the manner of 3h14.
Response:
3h12
